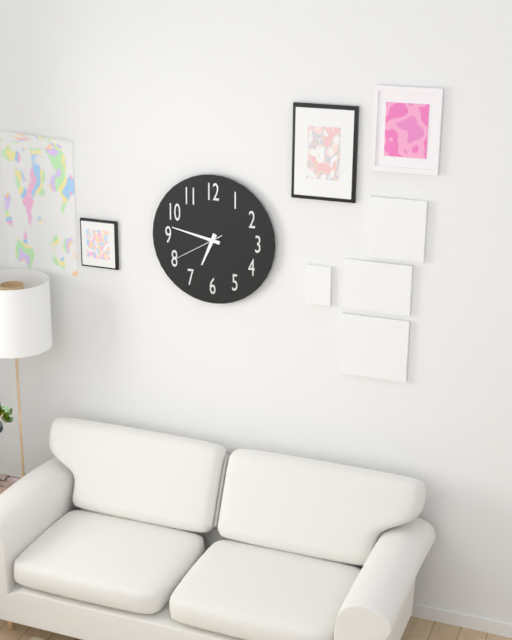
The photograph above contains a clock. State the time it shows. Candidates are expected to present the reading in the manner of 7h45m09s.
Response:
6h47m40s
